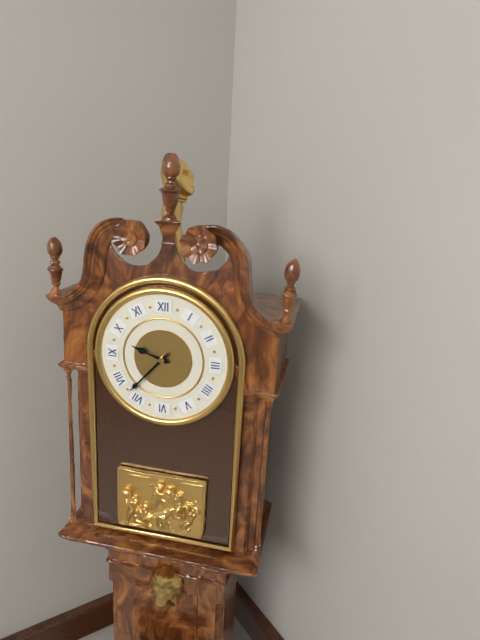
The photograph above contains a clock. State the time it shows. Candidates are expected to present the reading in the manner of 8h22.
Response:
9h37
